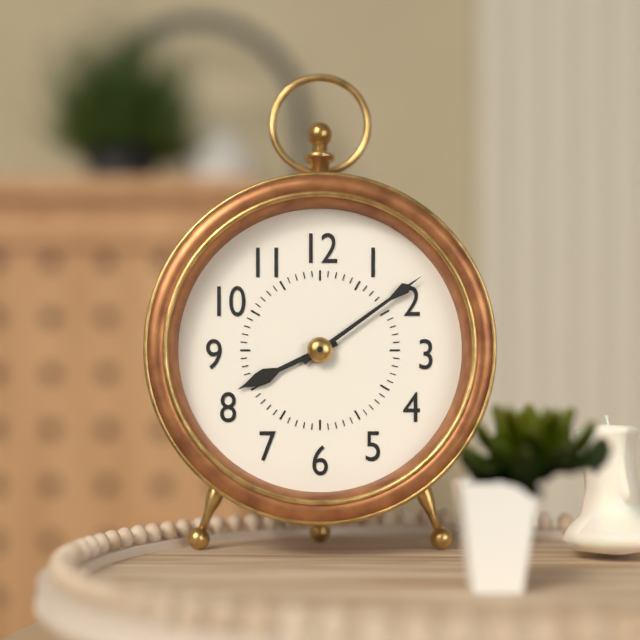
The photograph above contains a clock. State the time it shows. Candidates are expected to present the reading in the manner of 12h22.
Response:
8h09
